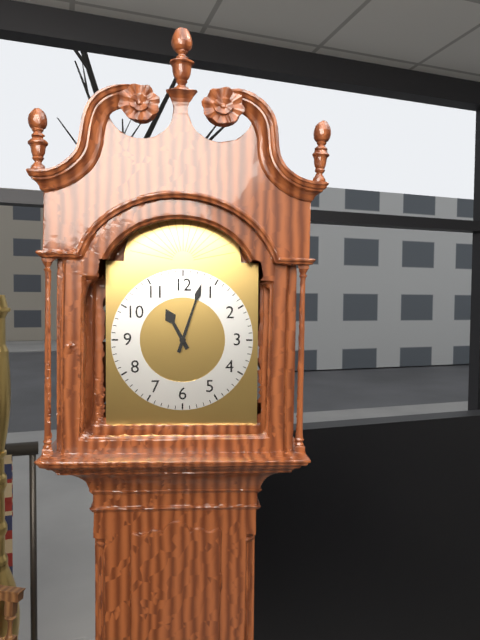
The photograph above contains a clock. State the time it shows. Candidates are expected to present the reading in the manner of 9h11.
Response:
11h03
